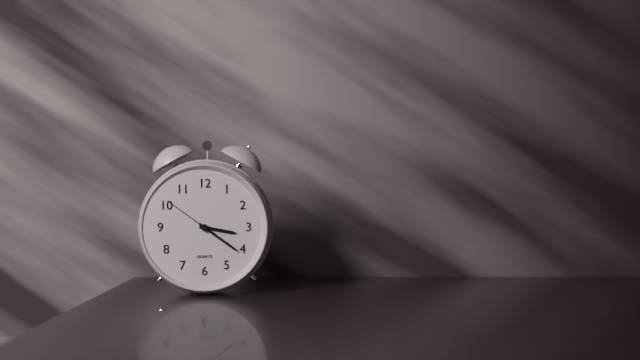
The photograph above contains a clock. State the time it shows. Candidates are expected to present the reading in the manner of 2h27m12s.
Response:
3h21m51s
